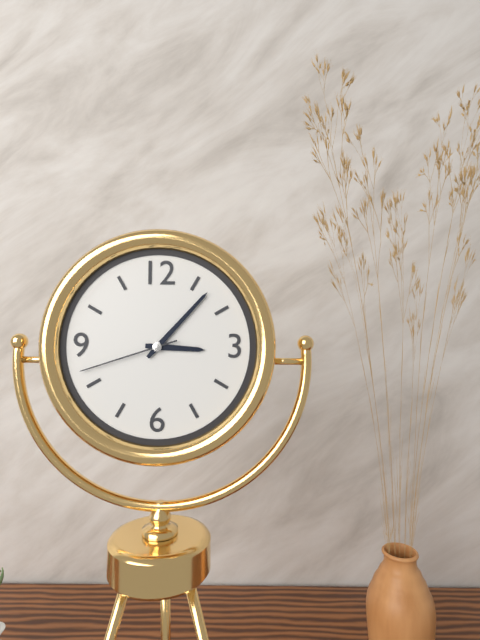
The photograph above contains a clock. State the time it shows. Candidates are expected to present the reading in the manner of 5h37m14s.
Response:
3h07m42s
